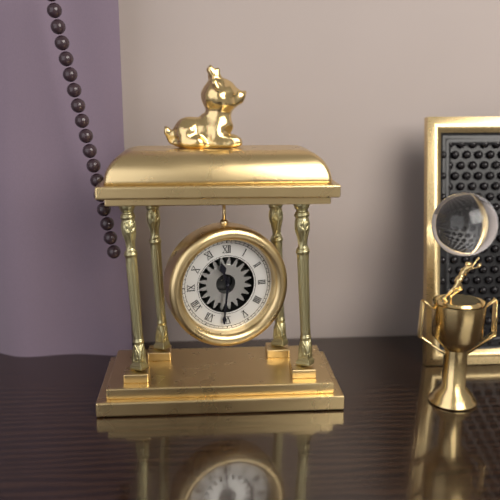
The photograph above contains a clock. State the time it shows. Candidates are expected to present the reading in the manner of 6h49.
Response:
11h31
